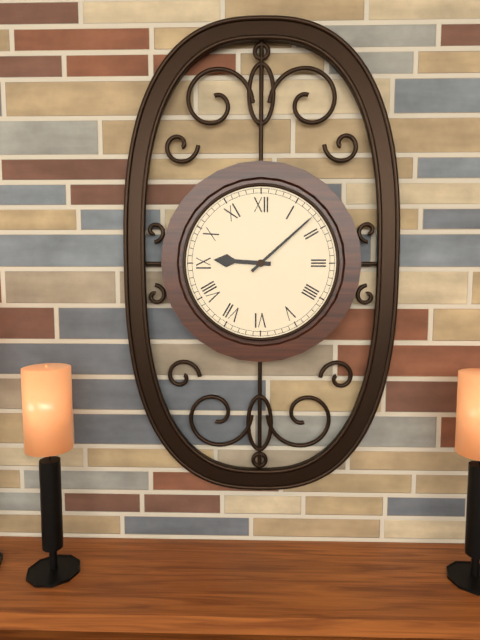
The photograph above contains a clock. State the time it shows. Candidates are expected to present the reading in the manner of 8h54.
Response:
9h08
